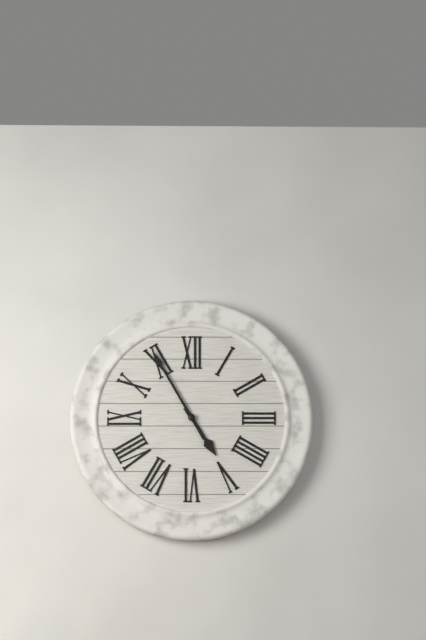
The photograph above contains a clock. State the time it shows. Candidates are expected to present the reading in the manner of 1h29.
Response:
4h55
